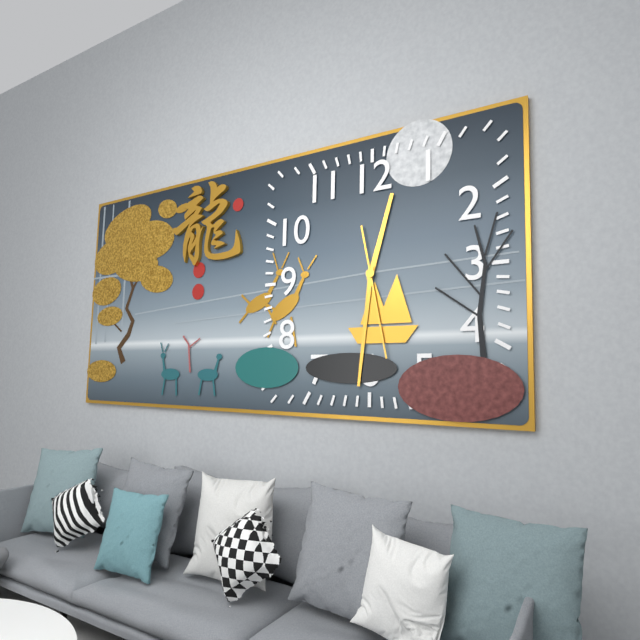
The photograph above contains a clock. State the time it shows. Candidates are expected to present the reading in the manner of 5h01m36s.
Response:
12h31m28s
